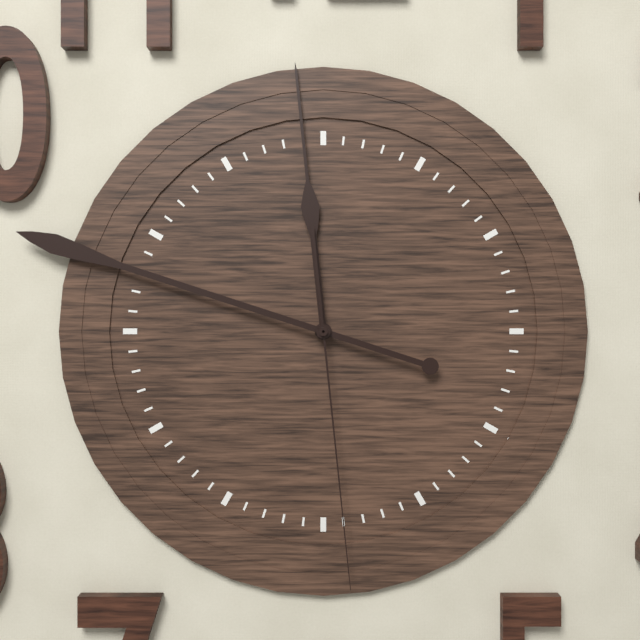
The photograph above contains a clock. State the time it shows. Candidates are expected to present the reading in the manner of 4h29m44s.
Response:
11h48m29s
